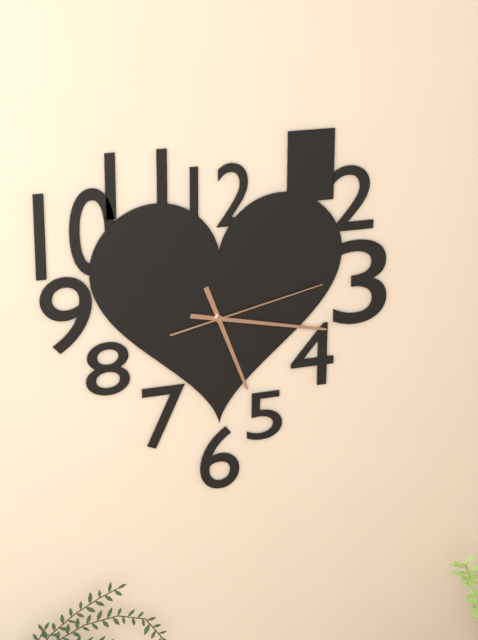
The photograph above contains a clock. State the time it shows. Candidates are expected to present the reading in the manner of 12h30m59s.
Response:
5h17m13s
